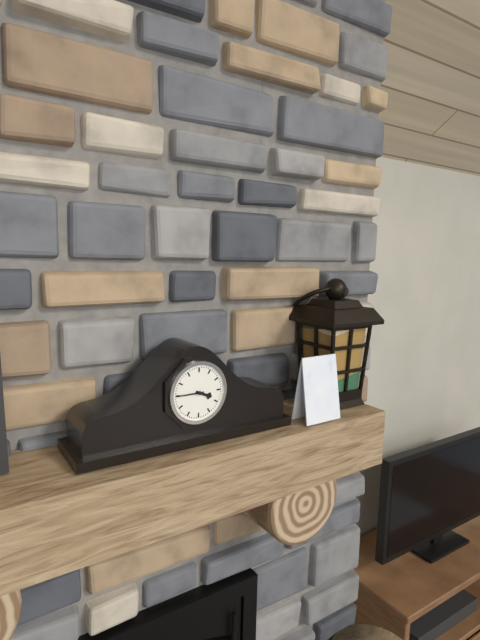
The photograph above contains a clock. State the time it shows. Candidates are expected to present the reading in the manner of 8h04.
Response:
3h45
